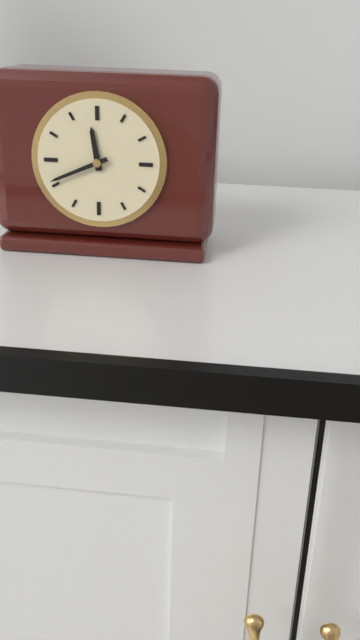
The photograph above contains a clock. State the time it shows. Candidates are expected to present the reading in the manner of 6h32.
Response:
11h41
